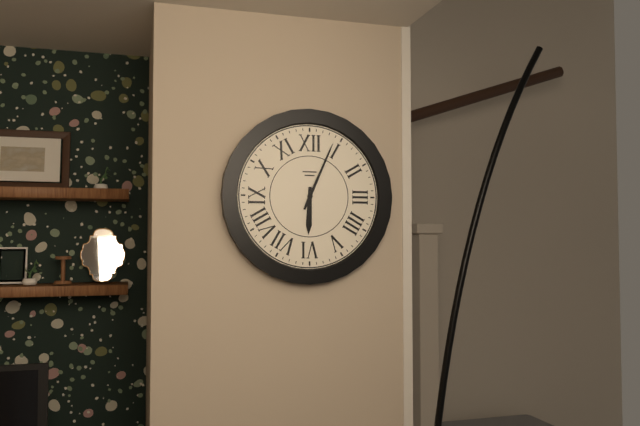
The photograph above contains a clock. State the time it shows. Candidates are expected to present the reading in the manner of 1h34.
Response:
6h04
